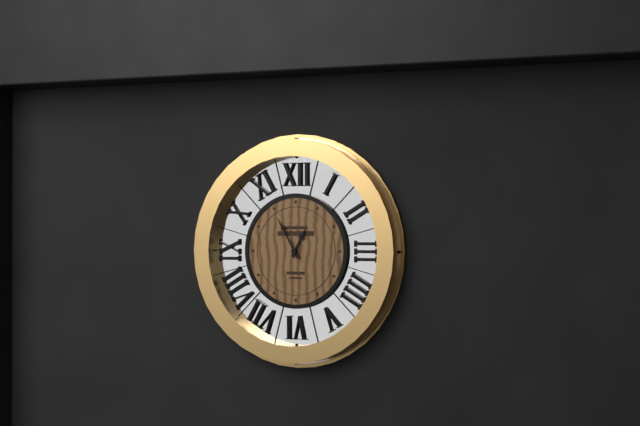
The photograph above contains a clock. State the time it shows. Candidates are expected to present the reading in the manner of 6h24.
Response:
12h55
